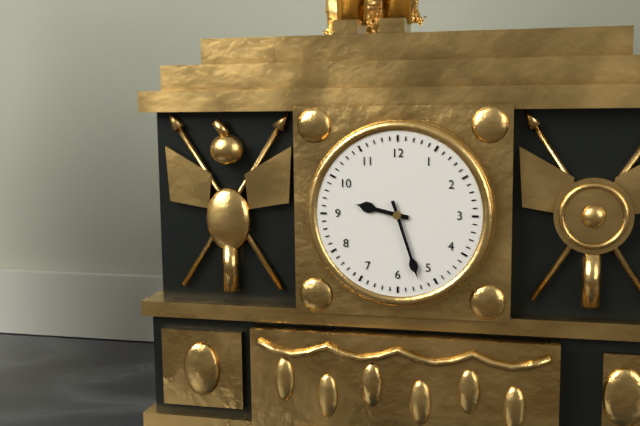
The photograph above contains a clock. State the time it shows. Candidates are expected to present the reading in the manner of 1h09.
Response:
9h27
